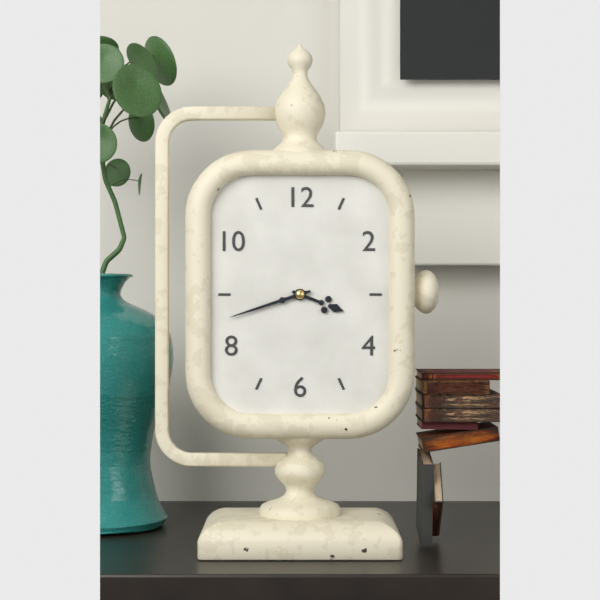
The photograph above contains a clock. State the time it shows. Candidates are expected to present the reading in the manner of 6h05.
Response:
3h42
